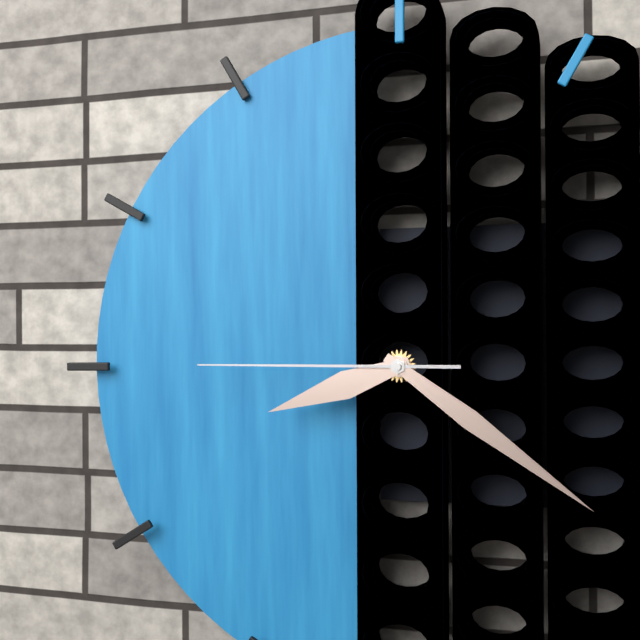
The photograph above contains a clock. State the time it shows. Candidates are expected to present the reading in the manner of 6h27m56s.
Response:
8h21m45s
